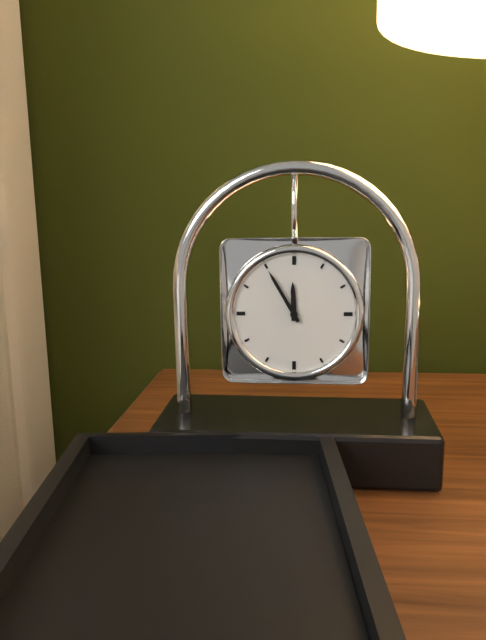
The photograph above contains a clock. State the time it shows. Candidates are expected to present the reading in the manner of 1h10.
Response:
11h55
